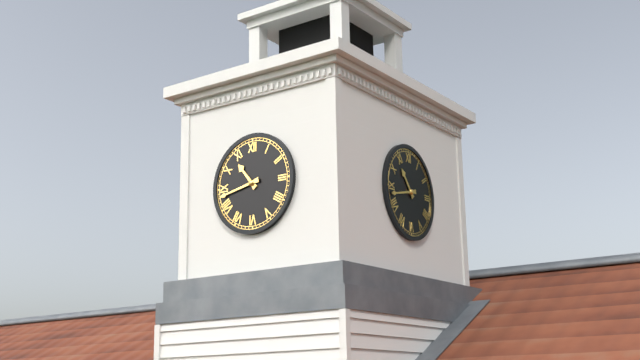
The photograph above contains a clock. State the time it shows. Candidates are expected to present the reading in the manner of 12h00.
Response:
10h43
